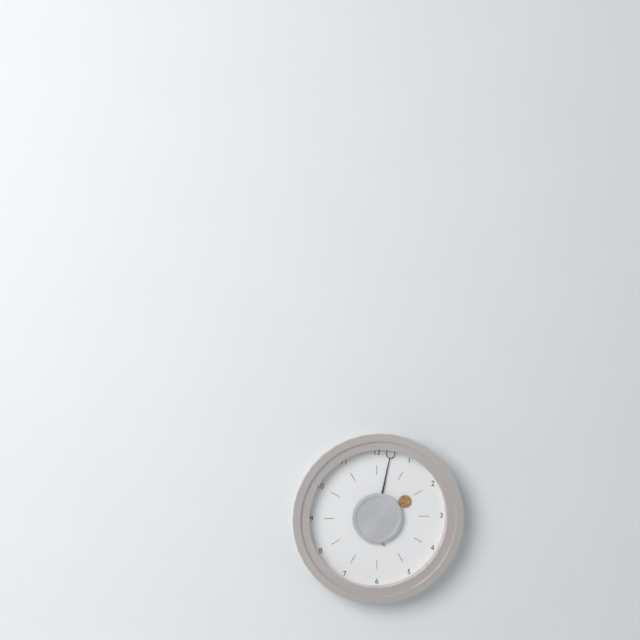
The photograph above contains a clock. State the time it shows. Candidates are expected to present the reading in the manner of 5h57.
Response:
2h02
